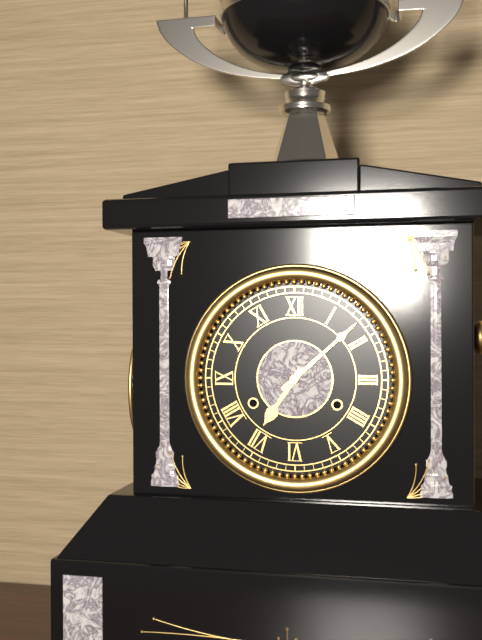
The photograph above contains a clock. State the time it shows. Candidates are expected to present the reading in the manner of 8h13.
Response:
7h08
